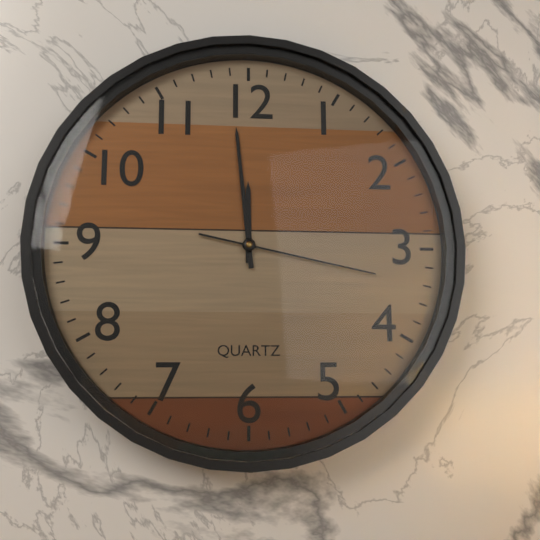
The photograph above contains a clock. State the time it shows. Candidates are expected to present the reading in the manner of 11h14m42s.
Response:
11h59m17s
